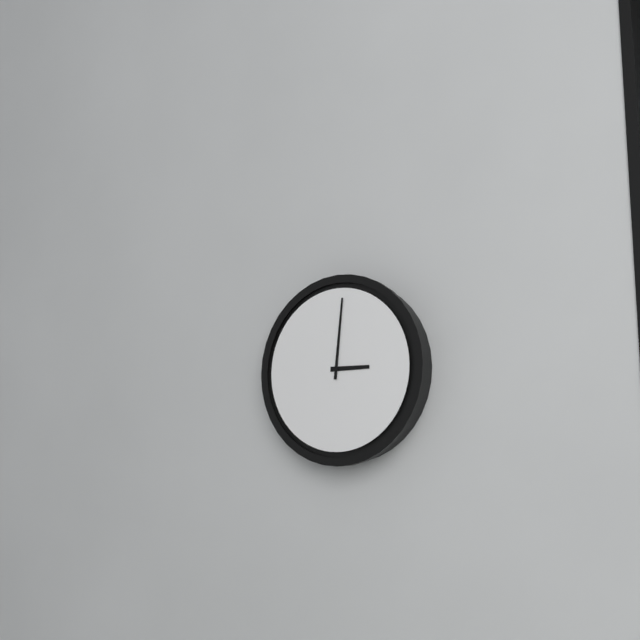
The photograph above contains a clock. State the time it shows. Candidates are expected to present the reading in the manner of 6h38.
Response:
3h01
